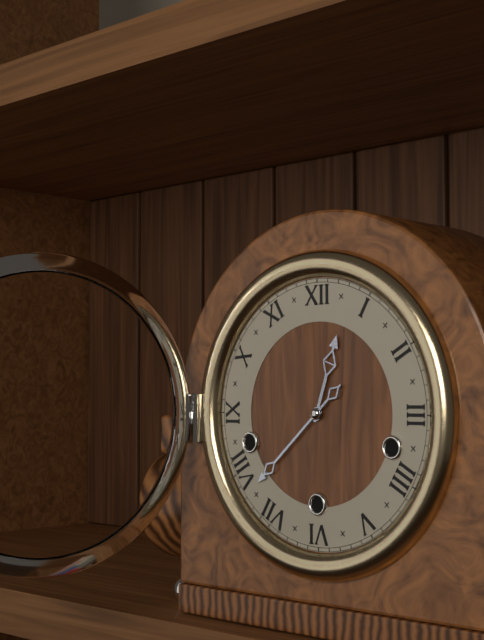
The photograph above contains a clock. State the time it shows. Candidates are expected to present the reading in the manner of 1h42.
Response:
12h38
